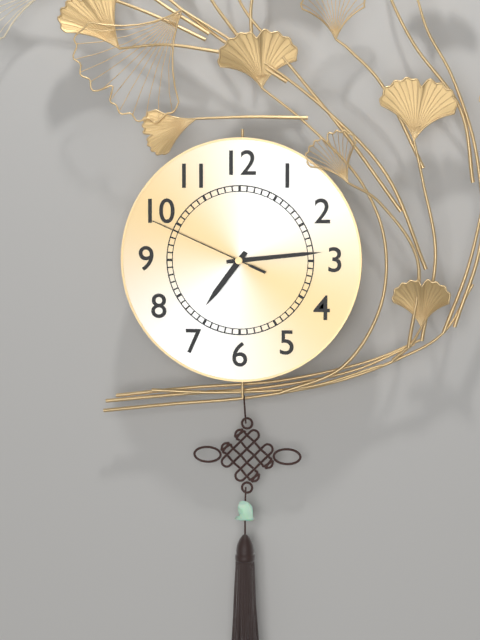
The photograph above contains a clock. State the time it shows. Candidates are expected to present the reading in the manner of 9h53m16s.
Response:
7h14m49s
